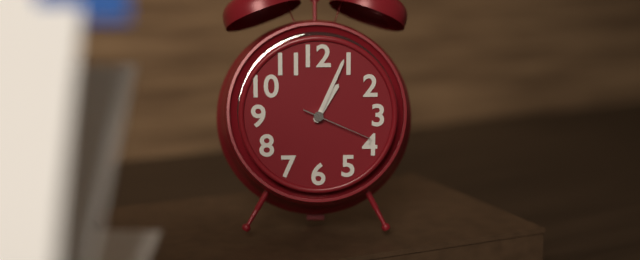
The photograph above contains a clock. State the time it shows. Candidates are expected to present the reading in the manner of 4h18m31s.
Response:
1h04m19s
